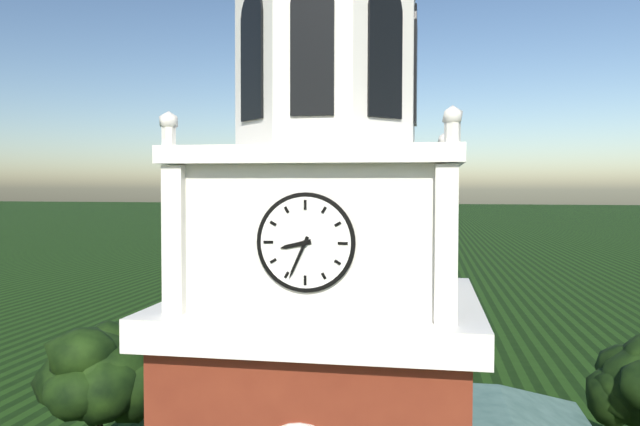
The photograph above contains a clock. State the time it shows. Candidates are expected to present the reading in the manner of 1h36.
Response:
8h34
